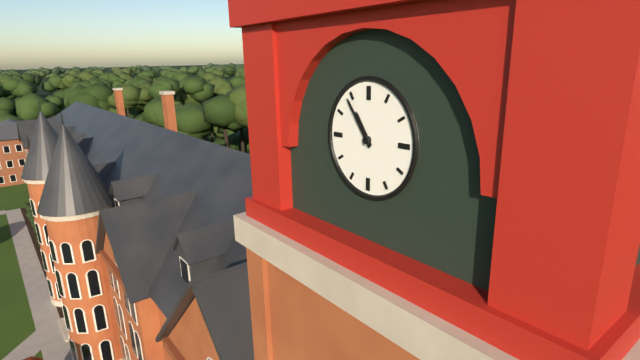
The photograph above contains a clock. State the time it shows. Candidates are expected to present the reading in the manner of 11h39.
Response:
10h54
